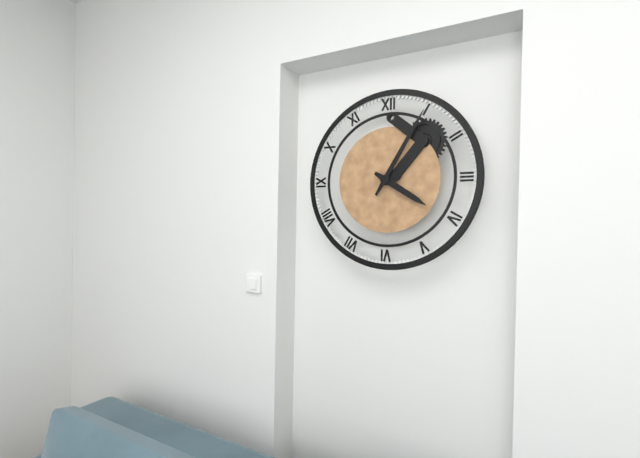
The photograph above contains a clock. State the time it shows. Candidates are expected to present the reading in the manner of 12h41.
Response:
4h05
